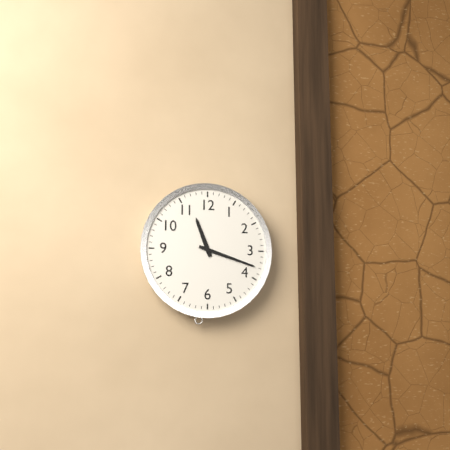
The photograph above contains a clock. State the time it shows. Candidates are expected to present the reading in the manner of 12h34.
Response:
11h18
